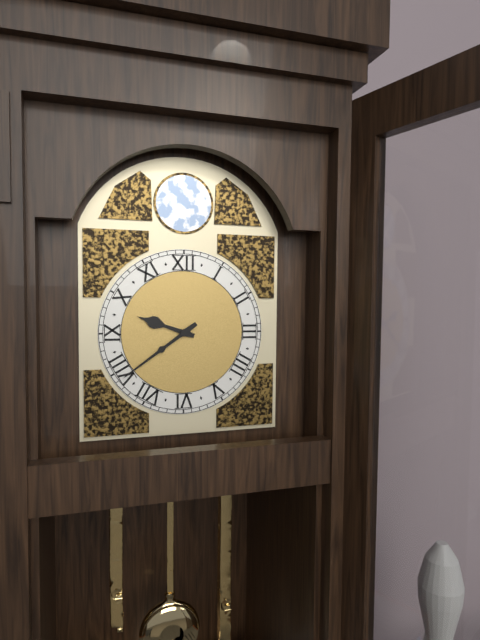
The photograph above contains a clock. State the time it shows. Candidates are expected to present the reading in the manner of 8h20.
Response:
9h39
